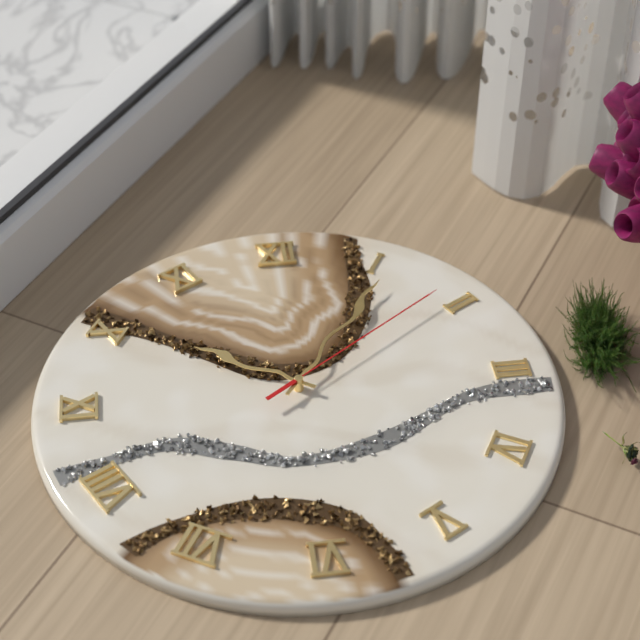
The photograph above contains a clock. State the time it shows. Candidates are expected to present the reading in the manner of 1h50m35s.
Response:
10h06m09s
